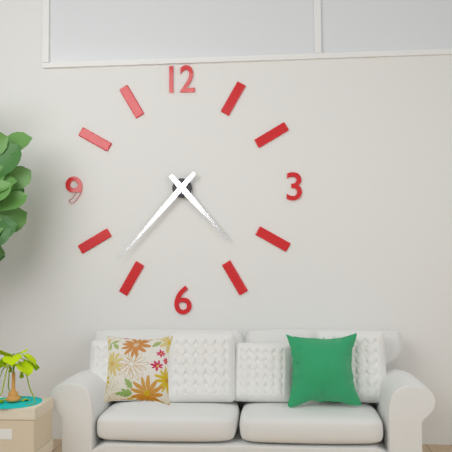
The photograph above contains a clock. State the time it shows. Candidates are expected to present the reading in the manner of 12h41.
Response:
4h37
